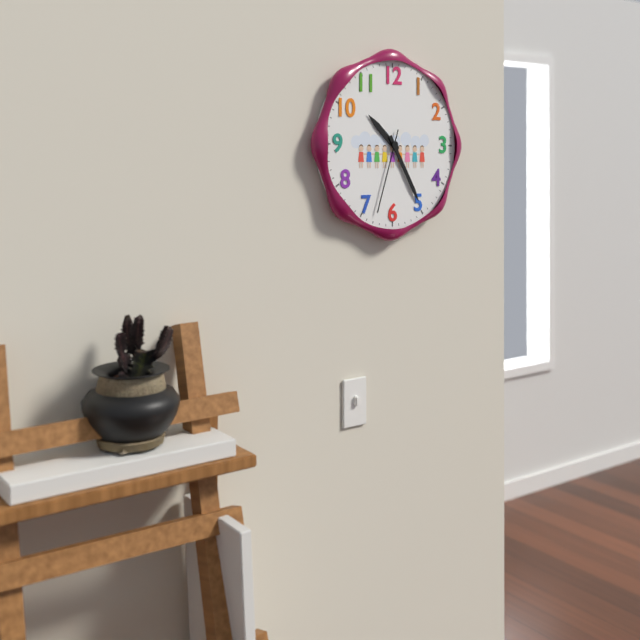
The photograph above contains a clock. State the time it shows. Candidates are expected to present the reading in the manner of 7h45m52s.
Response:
10h25m33s
